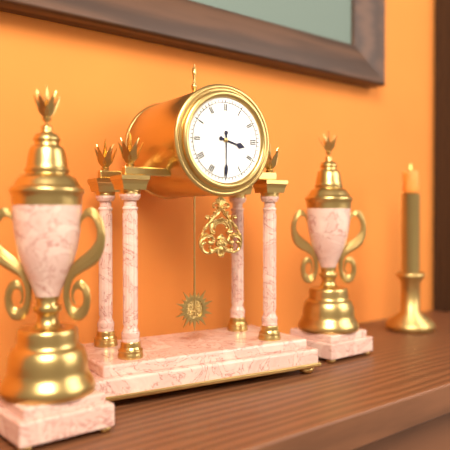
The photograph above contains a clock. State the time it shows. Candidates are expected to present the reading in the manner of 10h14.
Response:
3h30
